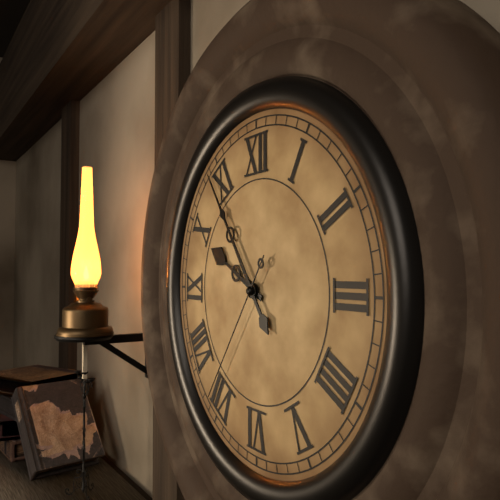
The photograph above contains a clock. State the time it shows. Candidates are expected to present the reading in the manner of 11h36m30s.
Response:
9h54m36s
